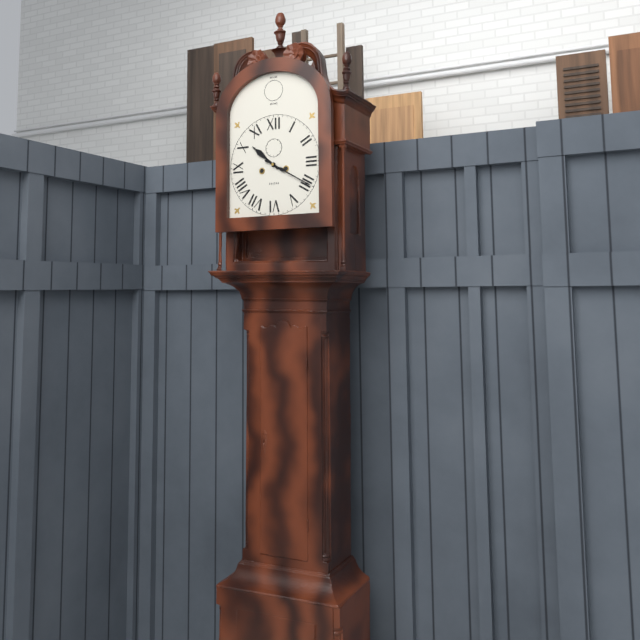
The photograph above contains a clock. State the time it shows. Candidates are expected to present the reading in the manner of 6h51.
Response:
10h20
